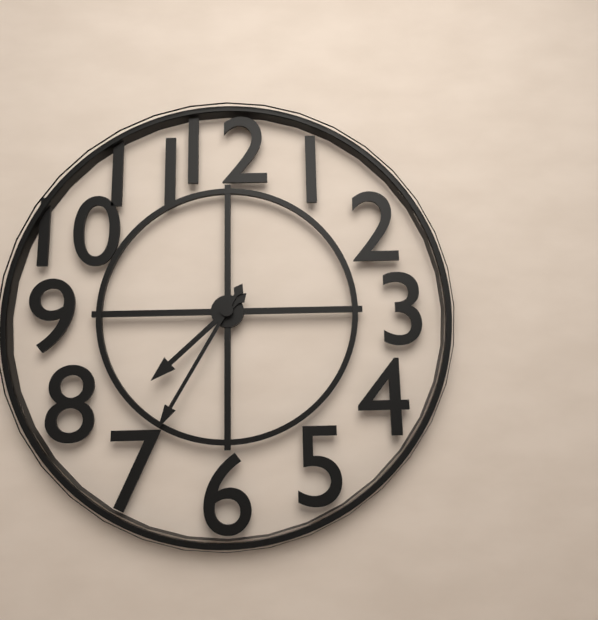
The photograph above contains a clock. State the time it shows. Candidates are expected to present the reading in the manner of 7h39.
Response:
7h35
